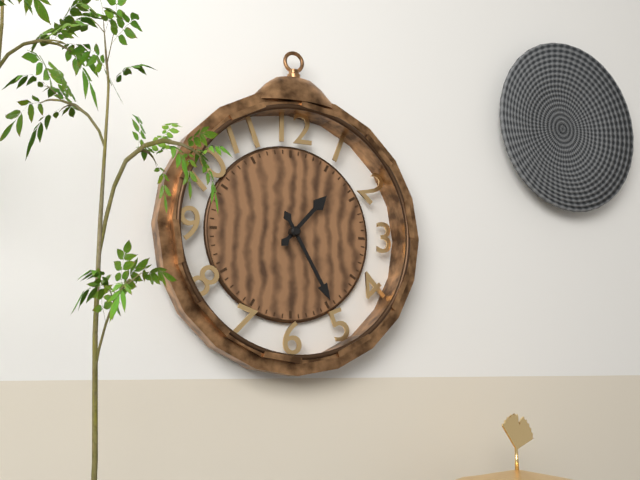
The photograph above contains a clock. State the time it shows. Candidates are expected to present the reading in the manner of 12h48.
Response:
1h25
